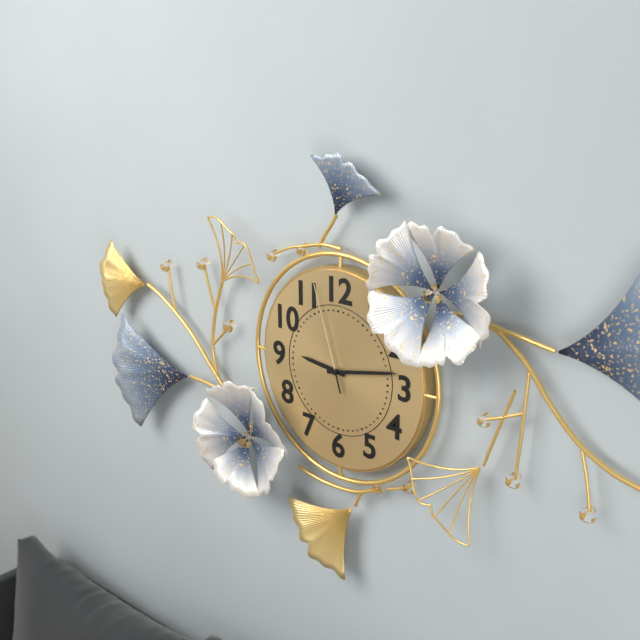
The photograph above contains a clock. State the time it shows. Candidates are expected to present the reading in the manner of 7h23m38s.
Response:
9h13m57s
